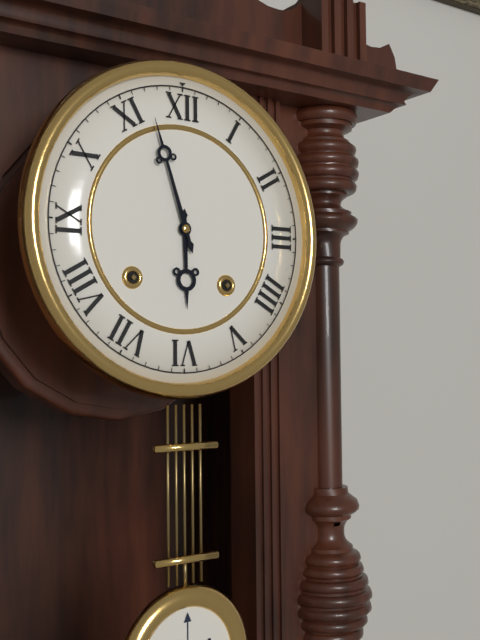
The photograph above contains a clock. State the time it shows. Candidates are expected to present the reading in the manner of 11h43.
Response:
5h57
